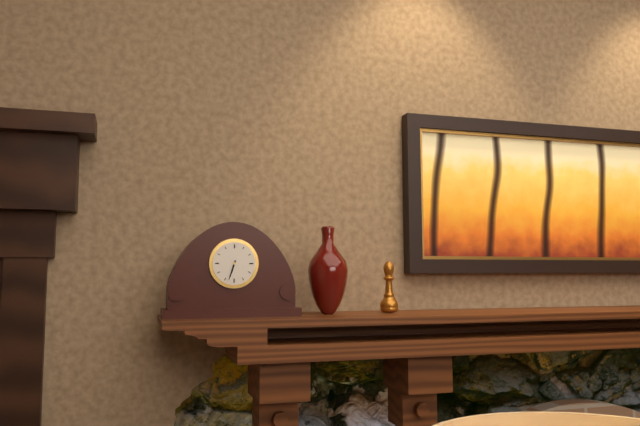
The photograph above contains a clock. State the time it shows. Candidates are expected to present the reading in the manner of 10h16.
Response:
6h33
